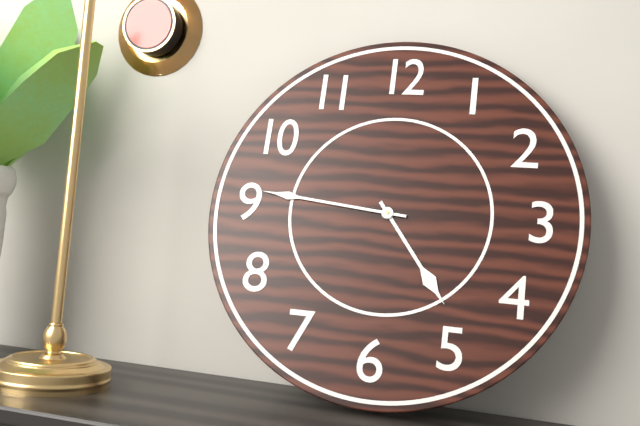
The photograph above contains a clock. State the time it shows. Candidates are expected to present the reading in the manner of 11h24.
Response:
4h46
